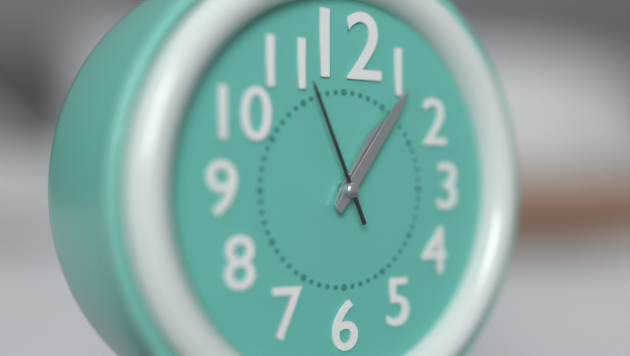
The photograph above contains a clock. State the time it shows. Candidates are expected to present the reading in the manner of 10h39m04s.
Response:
1h06m56s
